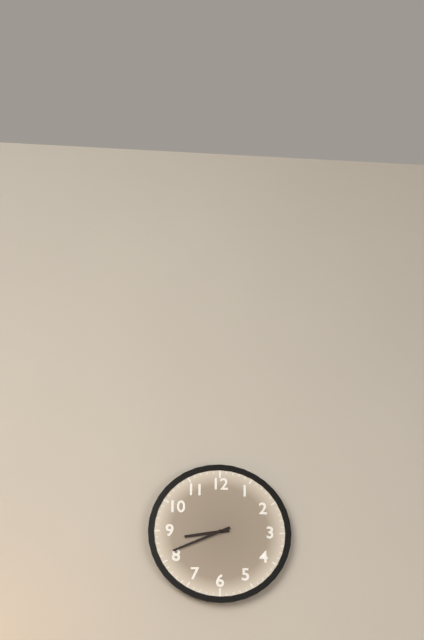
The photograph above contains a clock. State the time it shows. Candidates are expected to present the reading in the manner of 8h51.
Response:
8h41
